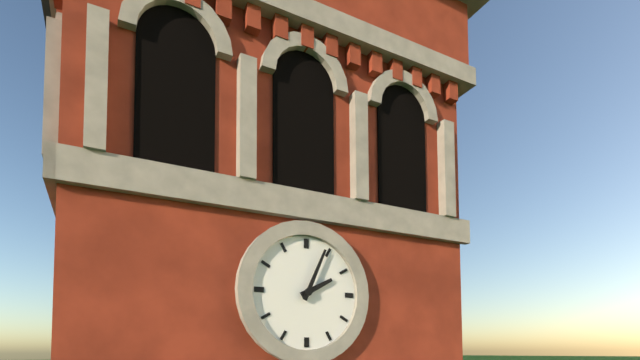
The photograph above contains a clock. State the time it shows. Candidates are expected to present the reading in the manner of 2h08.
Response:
2h04
